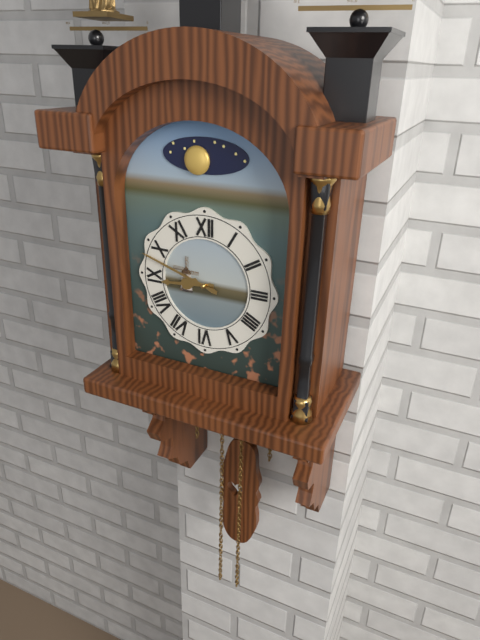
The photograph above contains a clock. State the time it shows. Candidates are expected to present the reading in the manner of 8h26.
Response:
8h48
